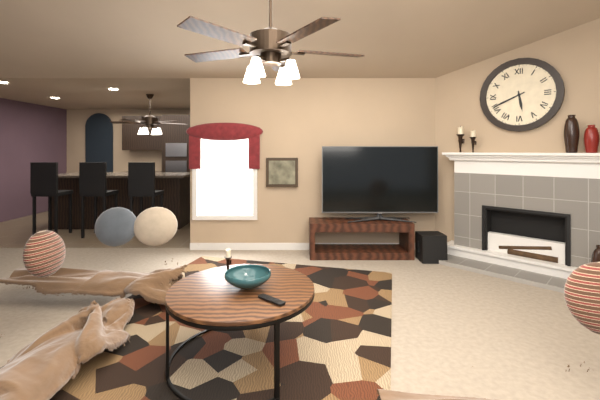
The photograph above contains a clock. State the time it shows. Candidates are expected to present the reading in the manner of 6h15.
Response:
5h41
